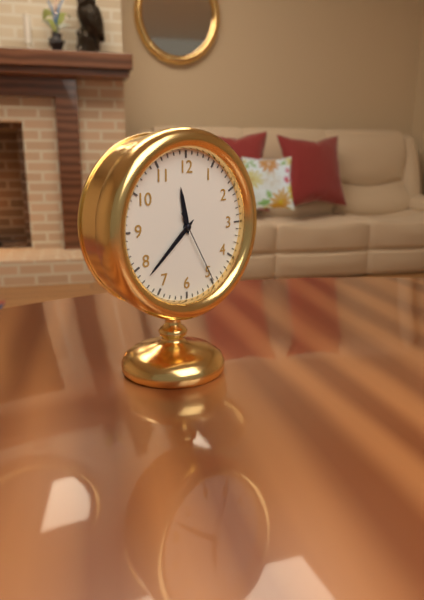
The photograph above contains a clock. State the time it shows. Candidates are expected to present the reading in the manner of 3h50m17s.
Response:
11h38m25s
